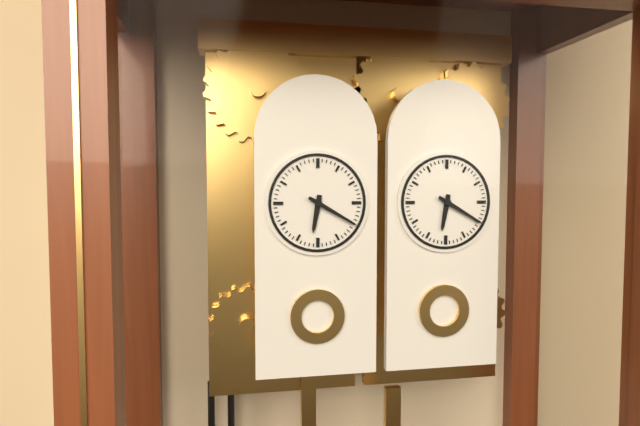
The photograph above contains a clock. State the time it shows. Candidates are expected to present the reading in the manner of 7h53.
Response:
6h20
